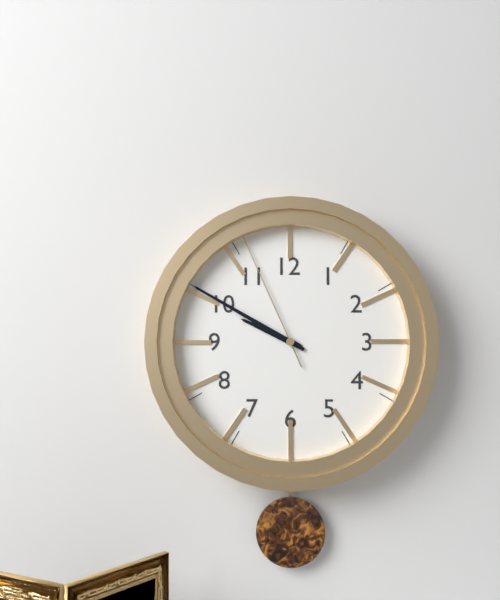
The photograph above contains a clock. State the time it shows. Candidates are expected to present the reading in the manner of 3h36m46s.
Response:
9h50m56s
